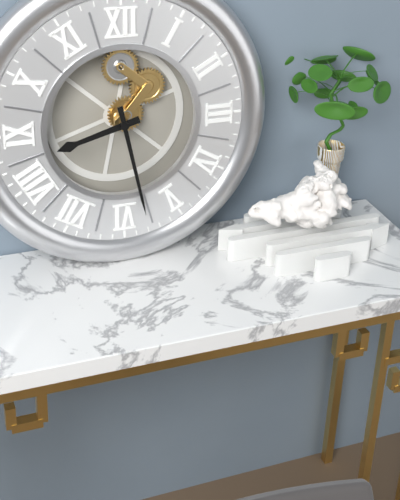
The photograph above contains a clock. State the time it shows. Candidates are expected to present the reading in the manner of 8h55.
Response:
8h28
